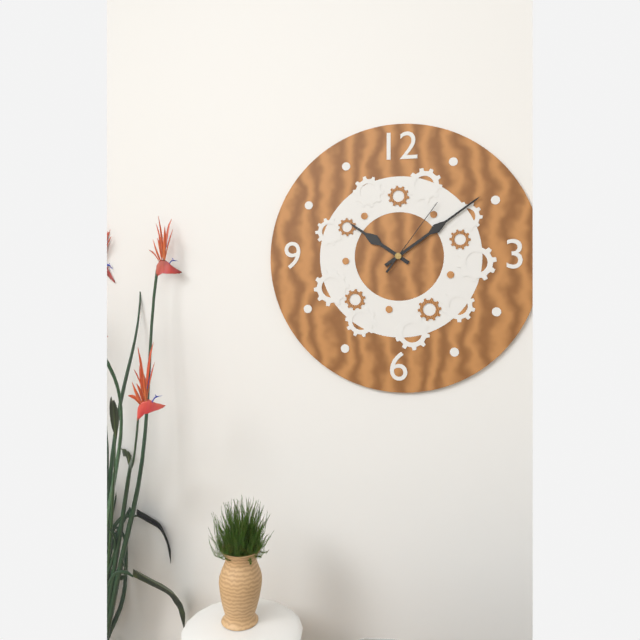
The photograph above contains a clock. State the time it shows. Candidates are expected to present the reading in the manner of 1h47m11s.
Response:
10h09m06s
